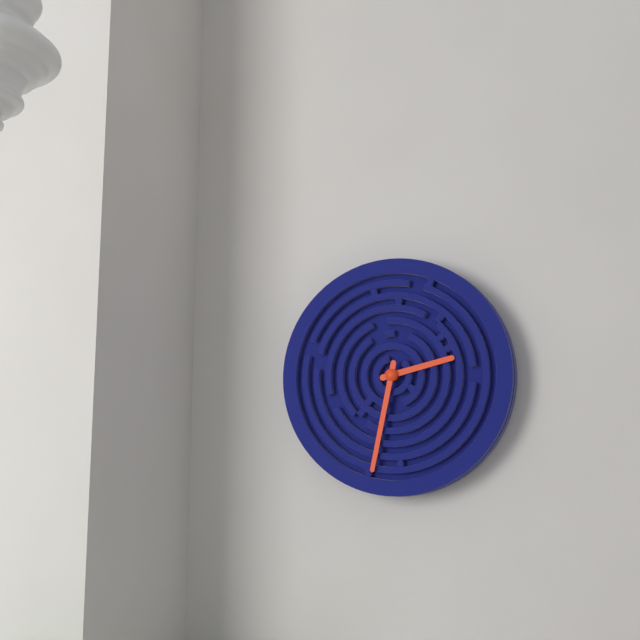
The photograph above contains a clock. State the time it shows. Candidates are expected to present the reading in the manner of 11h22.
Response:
2h32
